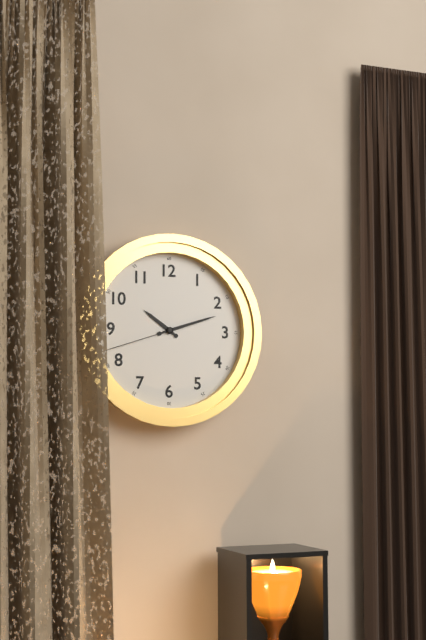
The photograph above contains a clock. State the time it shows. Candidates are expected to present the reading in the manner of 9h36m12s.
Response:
10h12m42s
